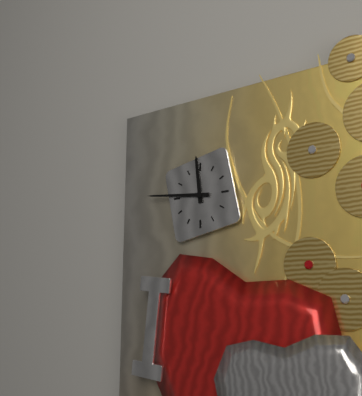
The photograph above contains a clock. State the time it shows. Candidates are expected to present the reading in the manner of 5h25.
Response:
11h46
